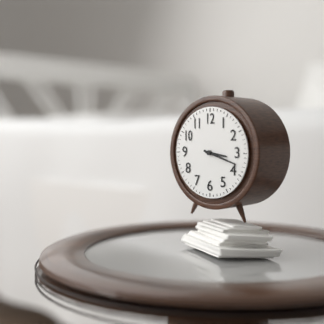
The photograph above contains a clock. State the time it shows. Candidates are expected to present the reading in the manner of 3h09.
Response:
3h18
